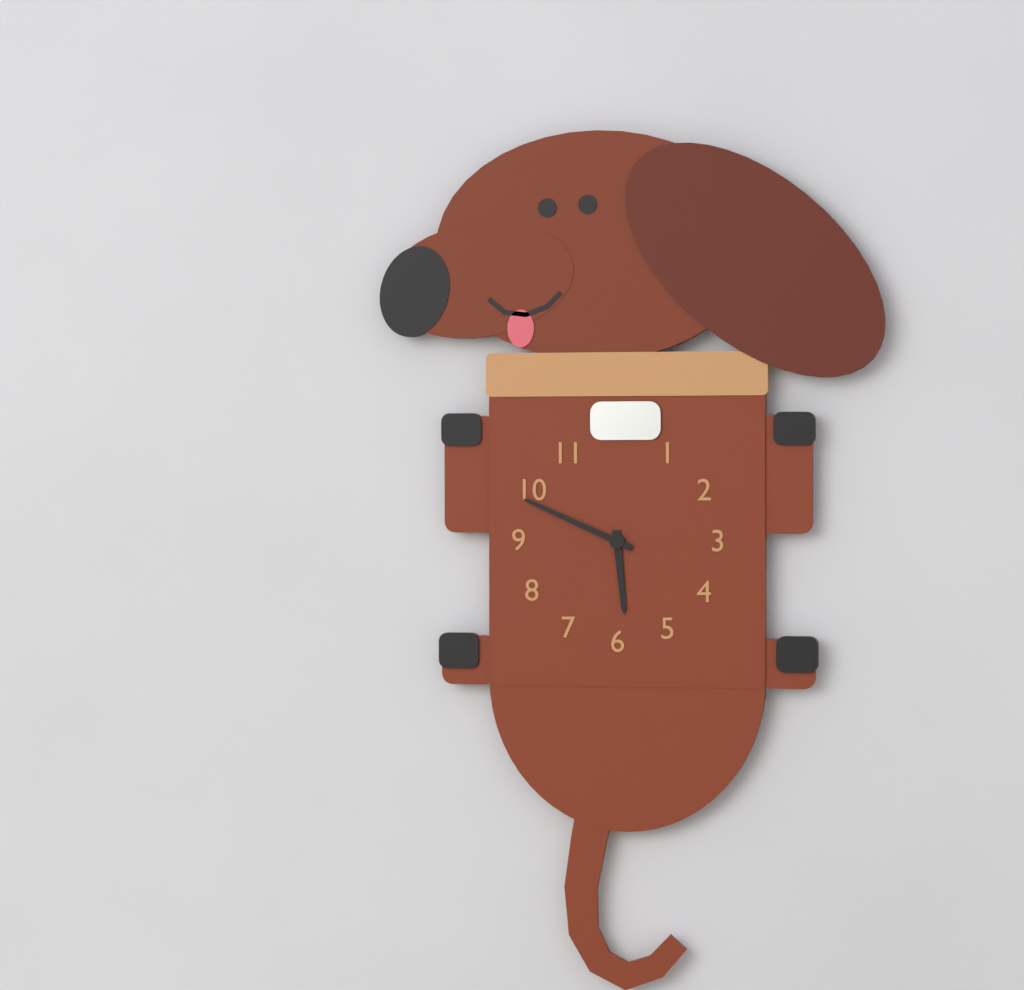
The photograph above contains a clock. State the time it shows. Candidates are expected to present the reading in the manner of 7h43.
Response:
5h49
